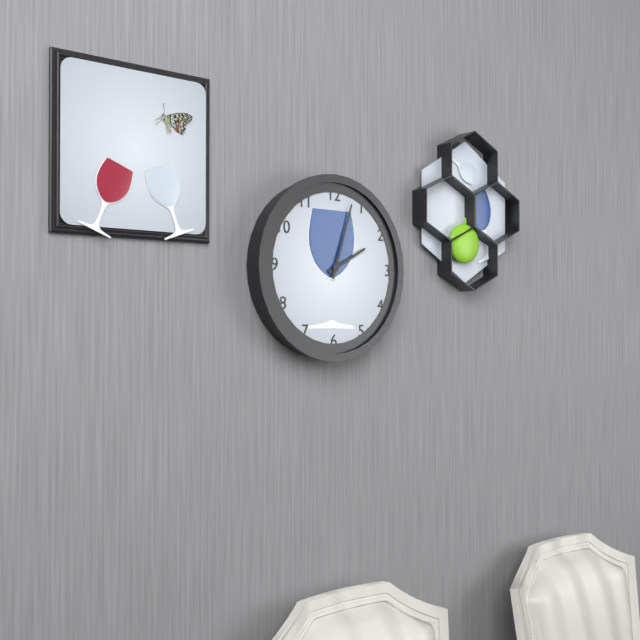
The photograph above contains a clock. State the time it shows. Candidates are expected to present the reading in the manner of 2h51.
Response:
2h03
